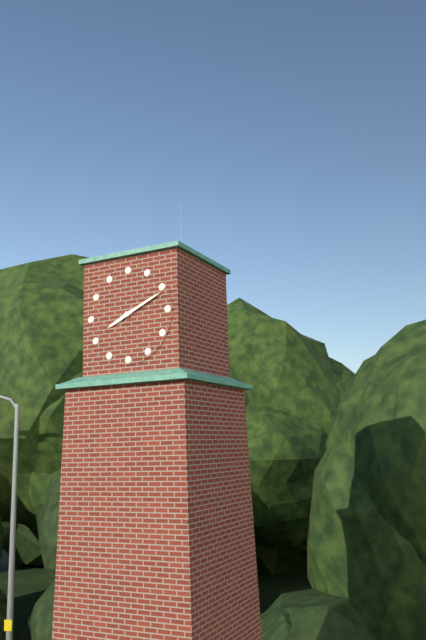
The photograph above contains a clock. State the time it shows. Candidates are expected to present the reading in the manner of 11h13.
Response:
8h11
